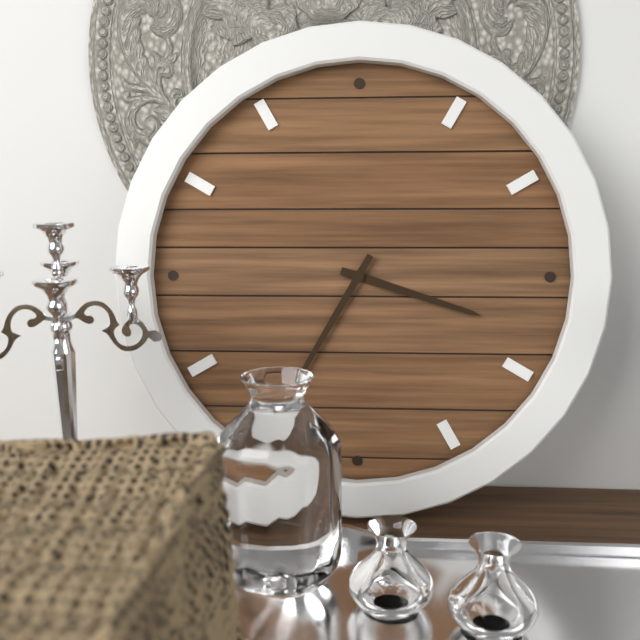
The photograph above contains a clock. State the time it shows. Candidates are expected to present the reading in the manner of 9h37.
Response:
3h35
